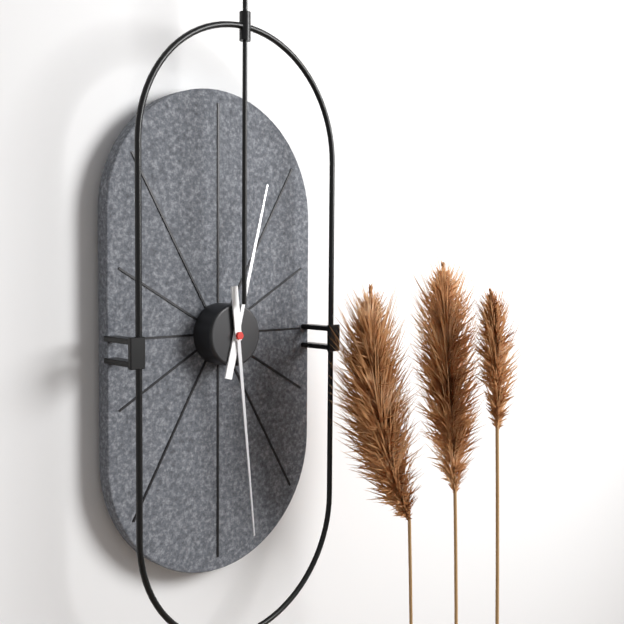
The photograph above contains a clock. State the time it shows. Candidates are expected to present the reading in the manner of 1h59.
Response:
12h29
